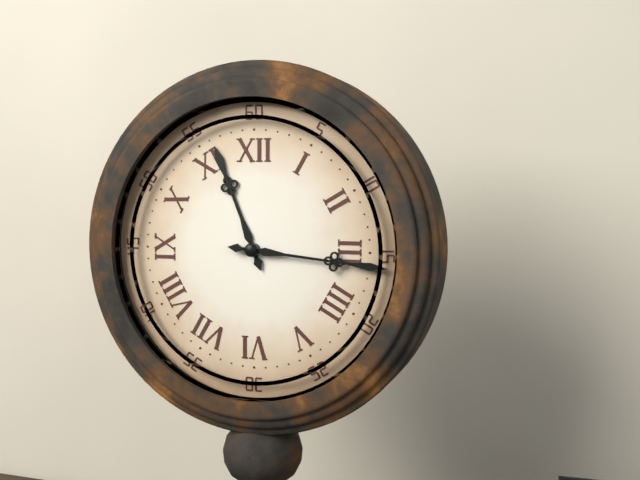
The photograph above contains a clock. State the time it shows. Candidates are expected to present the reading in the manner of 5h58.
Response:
11h16
